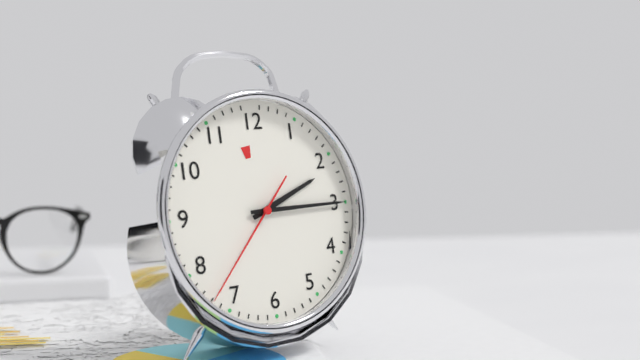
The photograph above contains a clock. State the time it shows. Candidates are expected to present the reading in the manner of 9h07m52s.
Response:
2h15m37s
